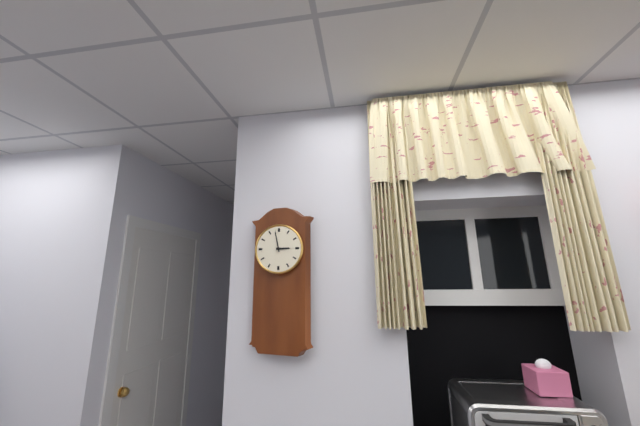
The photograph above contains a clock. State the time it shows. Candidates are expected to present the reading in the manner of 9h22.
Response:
2h58
